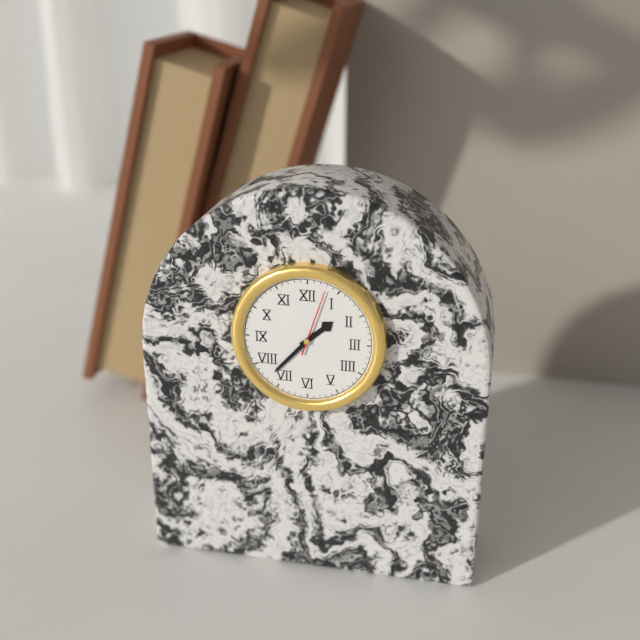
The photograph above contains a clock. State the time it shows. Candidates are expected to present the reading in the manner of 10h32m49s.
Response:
1h37m03s
